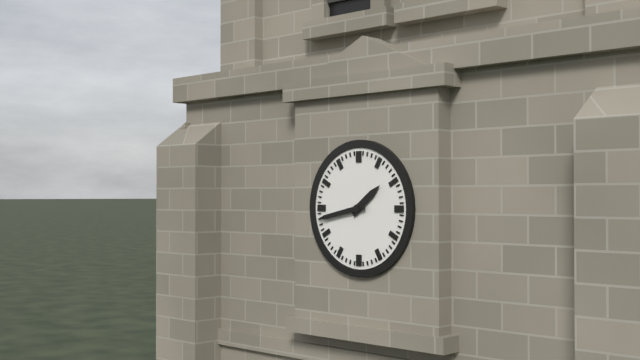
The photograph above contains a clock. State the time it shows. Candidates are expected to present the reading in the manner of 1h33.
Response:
1h43
